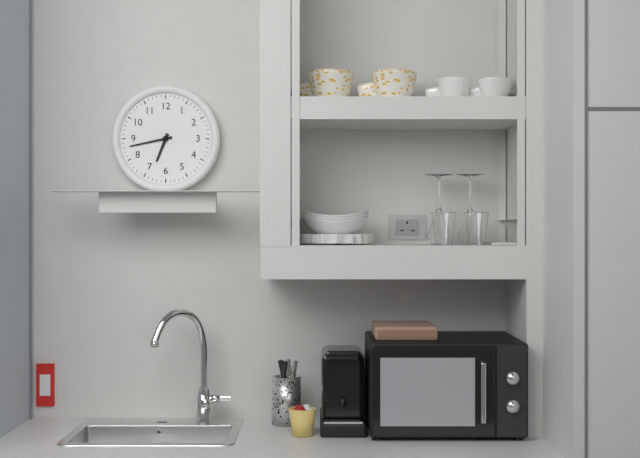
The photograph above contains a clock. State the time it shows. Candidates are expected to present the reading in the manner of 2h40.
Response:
6h43
